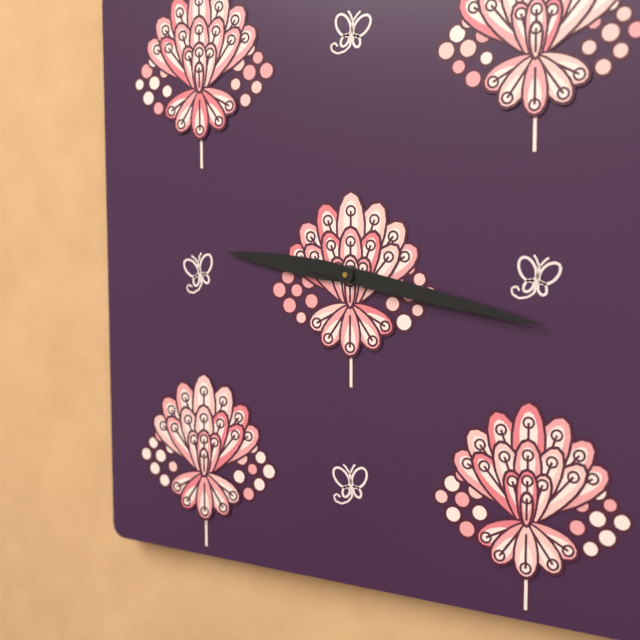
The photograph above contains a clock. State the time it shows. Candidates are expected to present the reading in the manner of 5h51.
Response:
9h17
